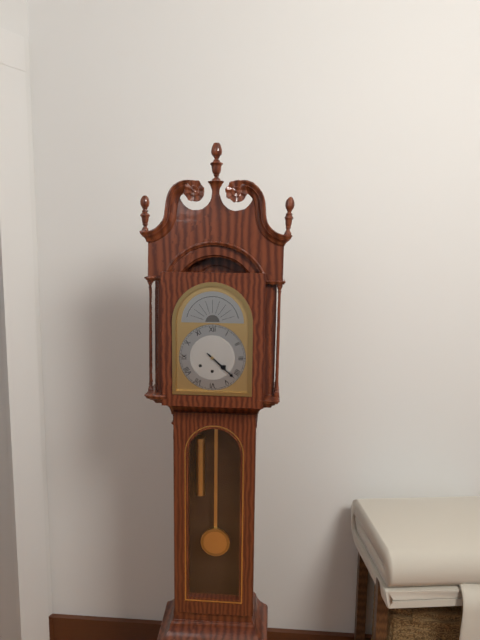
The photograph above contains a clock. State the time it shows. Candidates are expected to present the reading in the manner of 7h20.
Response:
4h22
